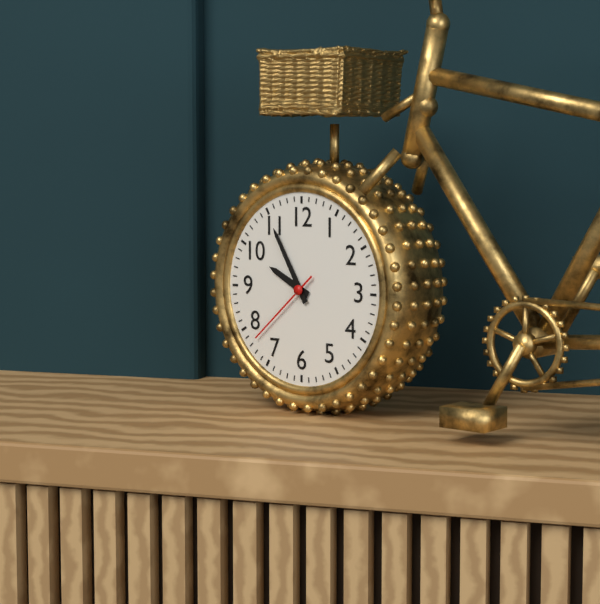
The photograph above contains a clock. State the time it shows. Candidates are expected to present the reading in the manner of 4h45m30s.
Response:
9h55m38s
